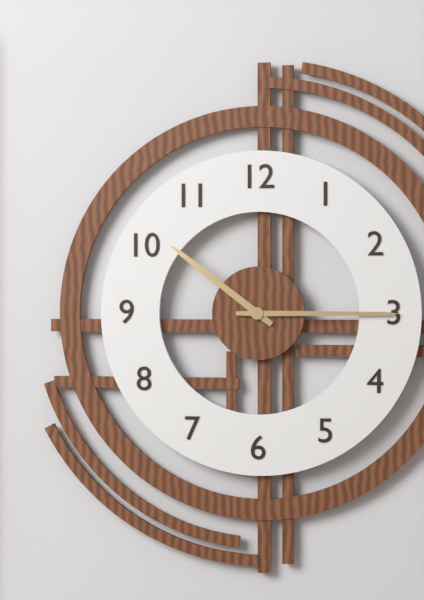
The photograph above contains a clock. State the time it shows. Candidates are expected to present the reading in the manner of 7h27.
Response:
10h15
